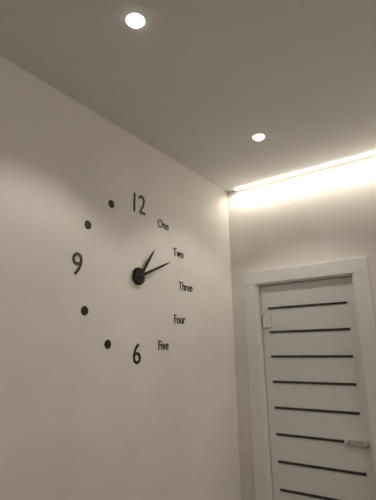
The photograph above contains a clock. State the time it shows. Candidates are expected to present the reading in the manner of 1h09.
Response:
1h11
